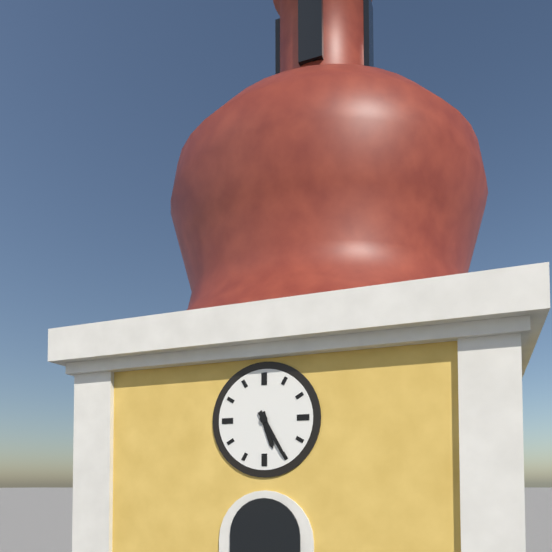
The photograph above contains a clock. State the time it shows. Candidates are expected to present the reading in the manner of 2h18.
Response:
5h25
